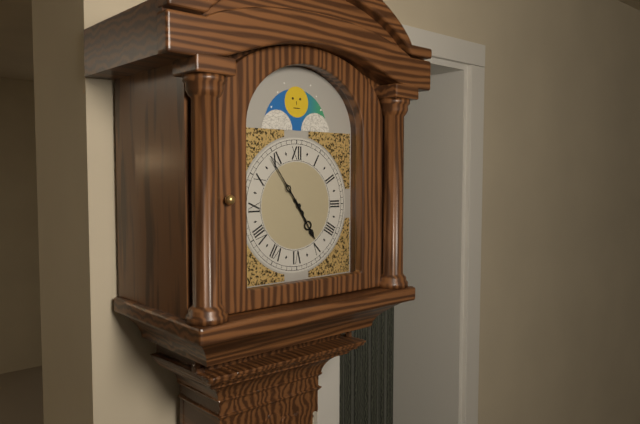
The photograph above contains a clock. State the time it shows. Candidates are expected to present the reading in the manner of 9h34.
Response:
4h54
